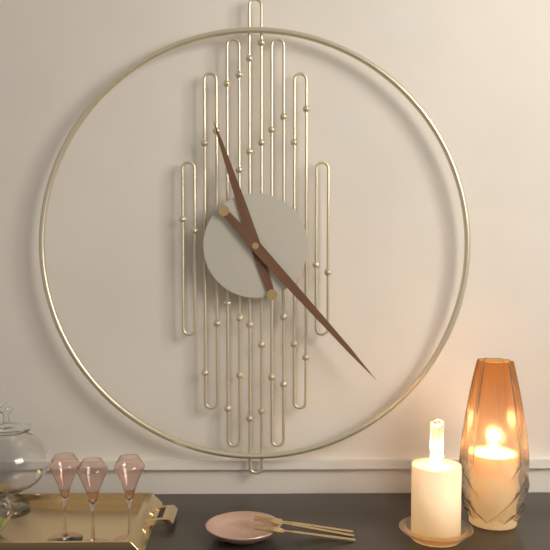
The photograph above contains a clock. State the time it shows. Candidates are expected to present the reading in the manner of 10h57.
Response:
11h23
